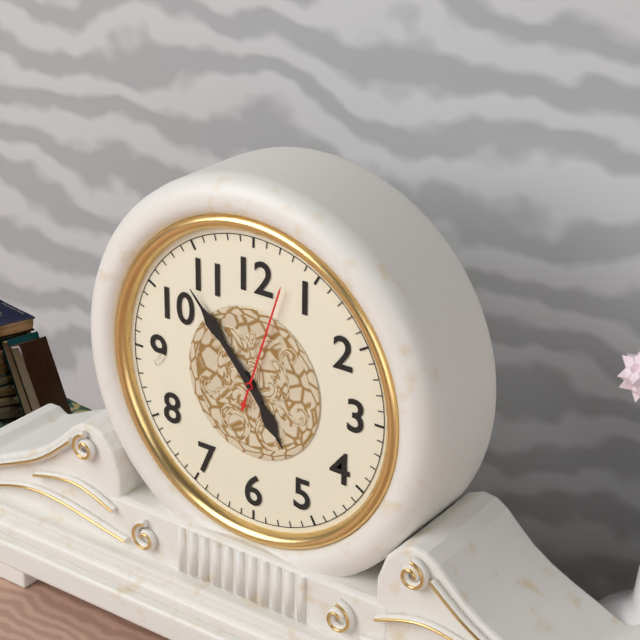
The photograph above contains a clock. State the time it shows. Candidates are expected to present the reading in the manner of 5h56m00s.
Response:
4h53m03s
